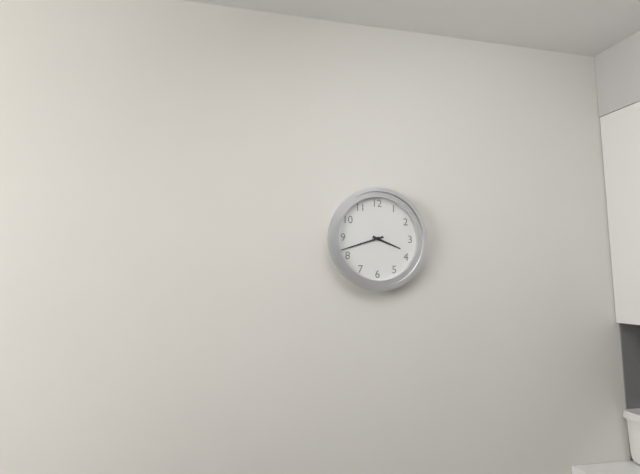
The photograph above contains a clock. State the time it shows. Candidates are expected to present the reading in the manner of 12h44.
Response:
3h42
